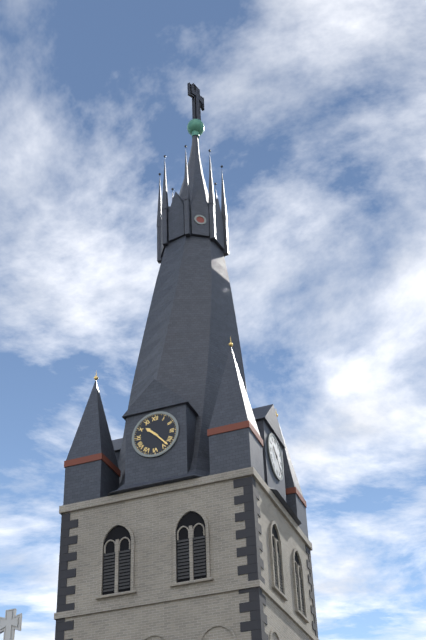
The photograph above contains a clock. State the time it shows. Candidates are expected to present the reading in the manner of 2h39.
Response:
10h23
